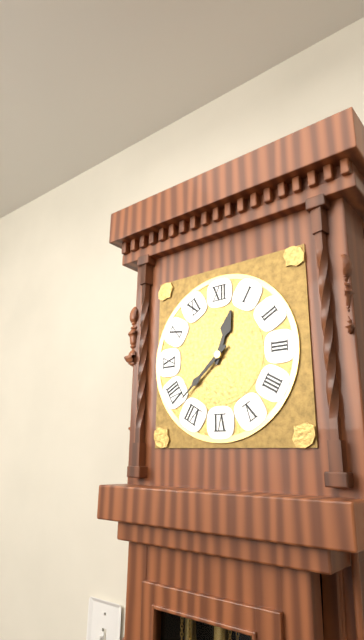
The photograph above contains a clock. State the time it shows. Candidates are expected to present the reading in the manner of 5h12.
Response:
12h38
